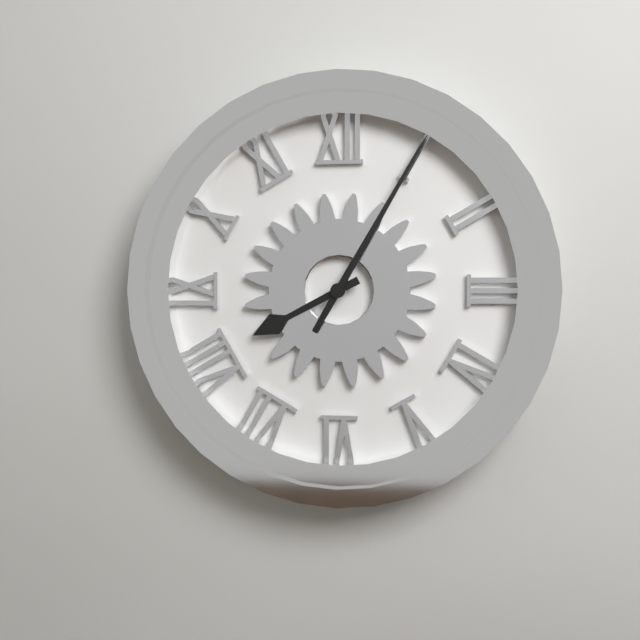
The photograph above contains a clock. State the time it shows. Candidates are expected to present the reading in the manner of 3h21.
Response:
8h05
